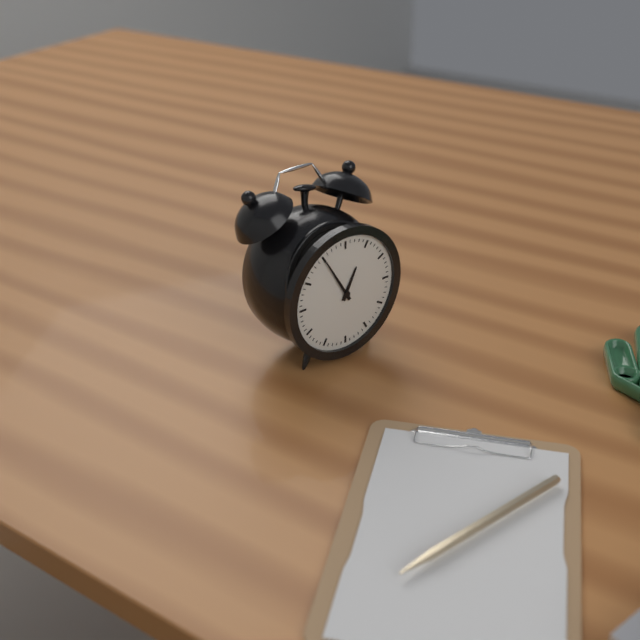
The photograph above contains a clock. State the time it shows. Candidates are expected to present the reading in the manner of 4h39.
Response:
12h55
